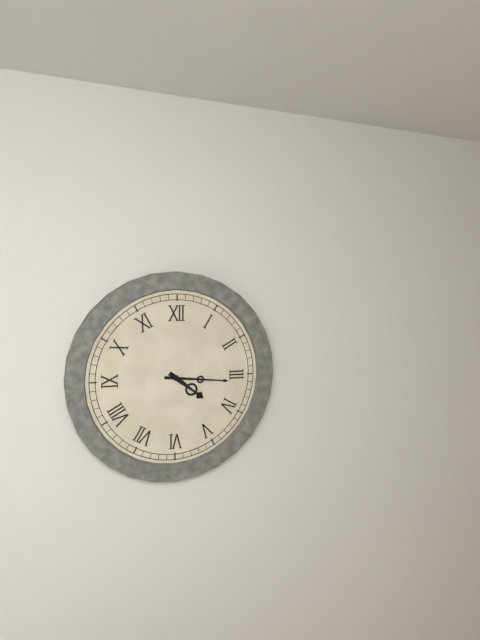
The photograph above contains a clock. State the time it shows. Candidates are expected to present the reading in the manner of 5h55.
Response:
4h16
